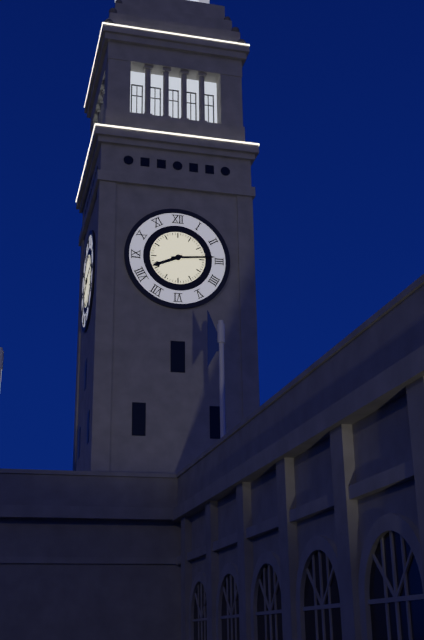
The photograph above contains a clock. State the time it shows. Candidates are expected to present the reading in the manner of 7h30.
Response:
8h14
